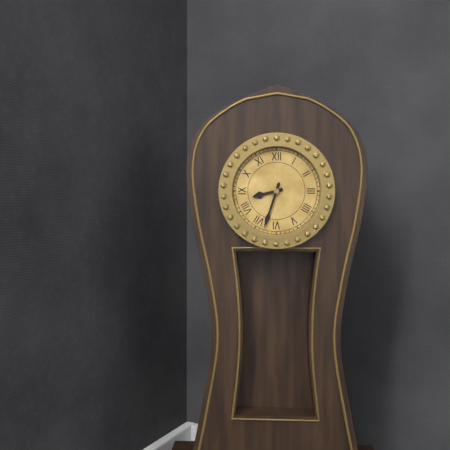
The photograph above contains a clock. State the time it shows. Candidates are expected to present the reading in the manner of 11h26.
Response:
8h33
